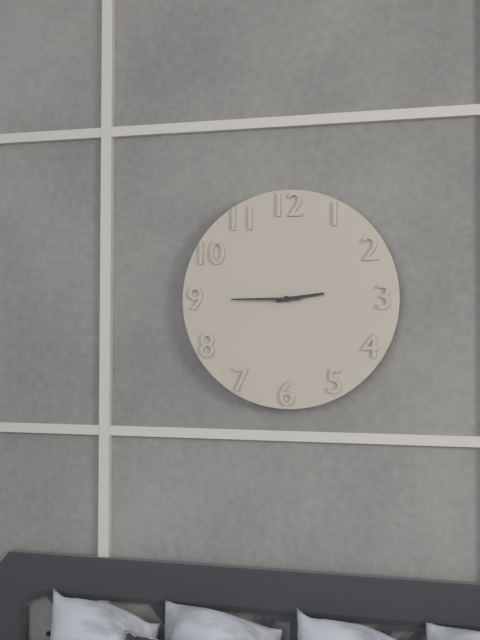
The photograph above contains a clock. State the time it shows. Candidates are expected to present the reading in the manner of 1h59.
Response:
2h45
